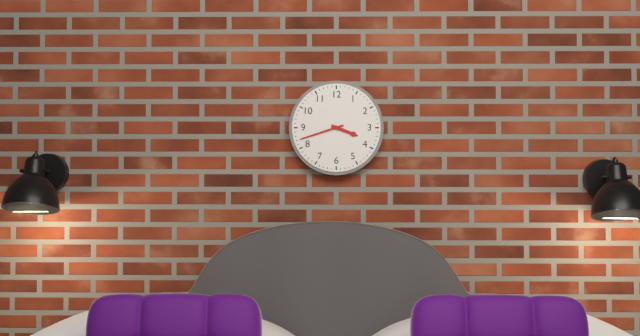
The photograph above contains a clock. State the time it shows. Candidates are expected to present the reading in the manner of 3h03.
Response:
3h42
